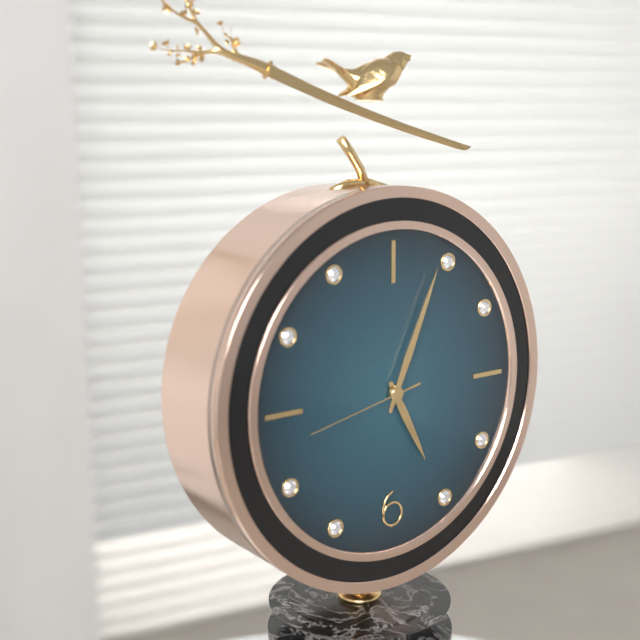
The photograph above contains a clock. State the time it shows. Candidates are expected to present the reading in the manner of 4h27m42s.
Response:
5h04m43s
